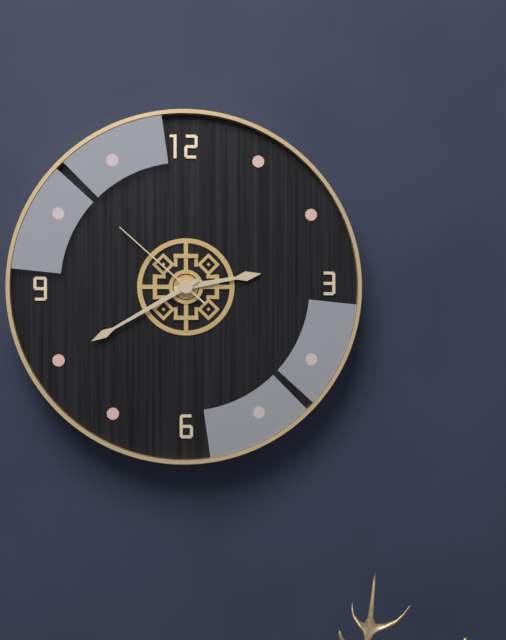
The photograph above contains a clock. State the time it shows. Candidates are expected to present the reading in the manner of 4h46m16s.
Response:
2h40m52s
